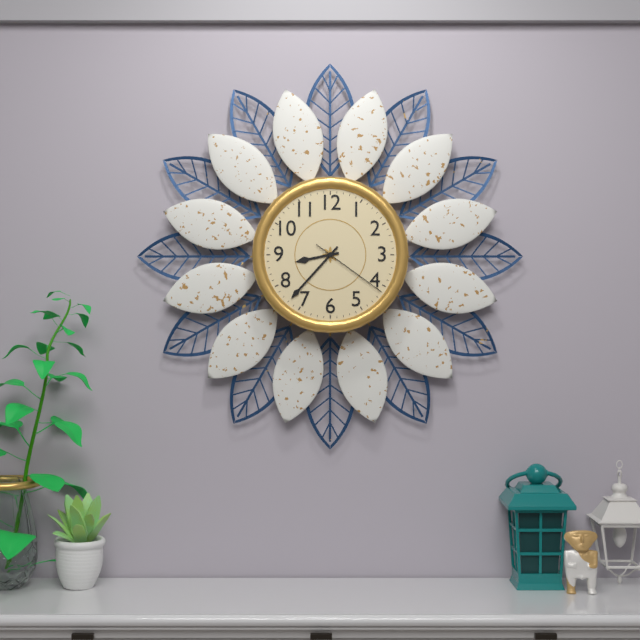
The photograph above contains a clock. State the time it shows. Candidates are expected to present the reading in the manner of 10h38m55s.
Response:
8h37m21s
